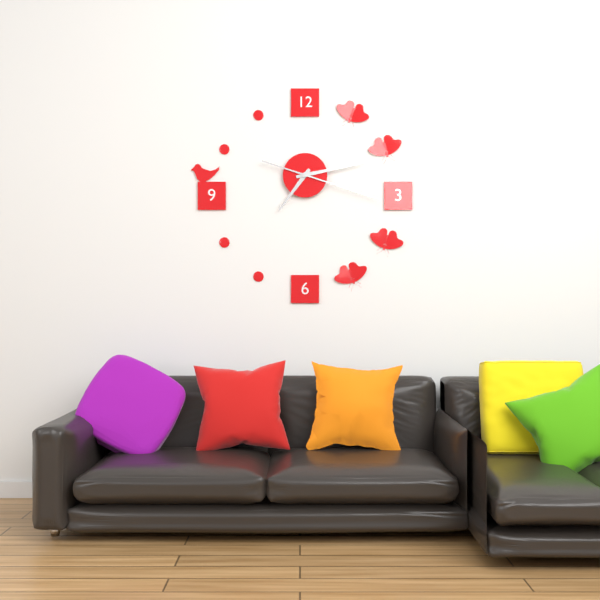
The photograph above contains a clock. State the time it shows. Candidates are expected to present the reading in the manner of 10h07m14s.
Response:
7h13m18s
